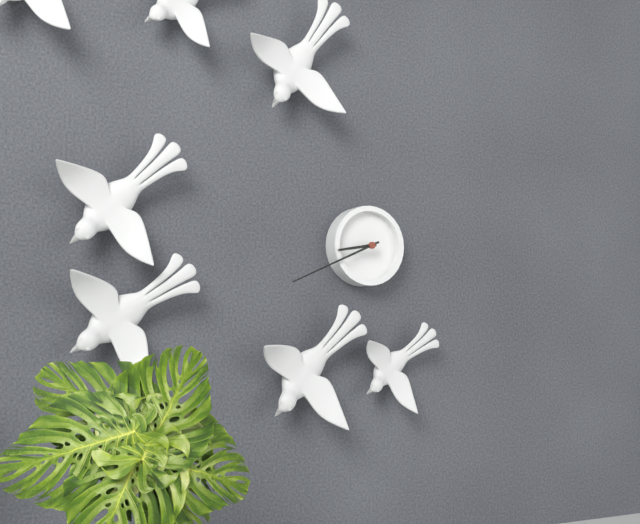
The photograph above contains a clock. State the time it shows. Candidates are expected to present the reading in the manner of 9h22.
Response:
8h41
